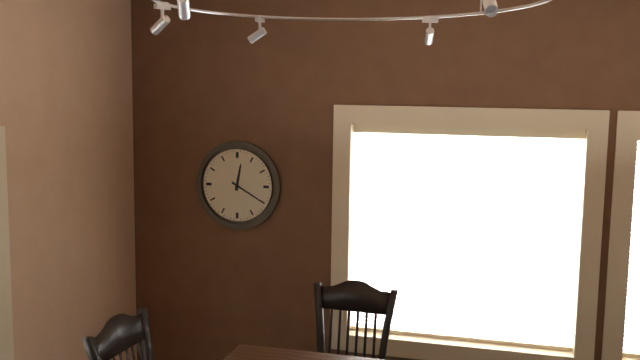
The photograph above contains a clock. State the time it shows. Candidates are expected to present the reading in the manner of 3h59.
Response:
12h20
